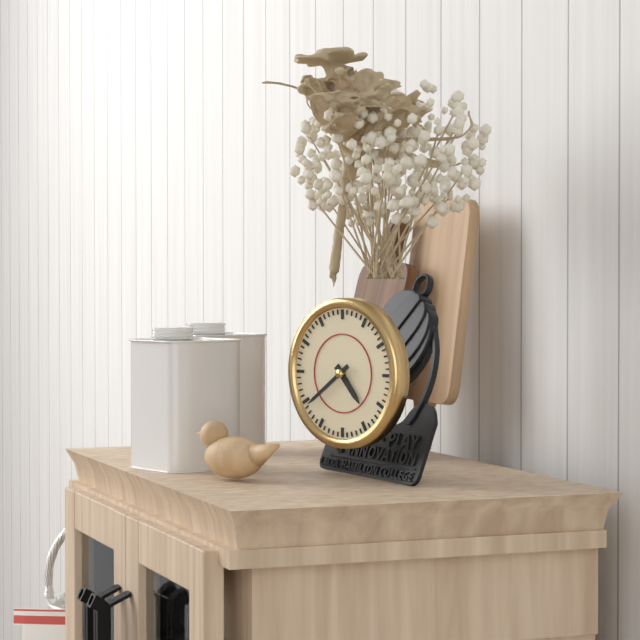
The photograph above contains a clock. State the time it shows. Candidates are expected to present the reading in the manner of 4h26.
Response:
4h39
